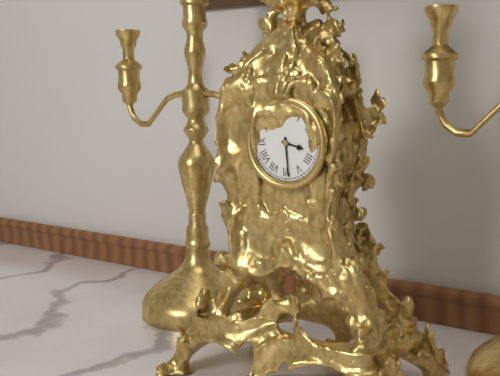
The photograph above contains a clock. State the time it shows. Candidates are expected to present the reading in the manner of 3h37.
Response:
3h29
